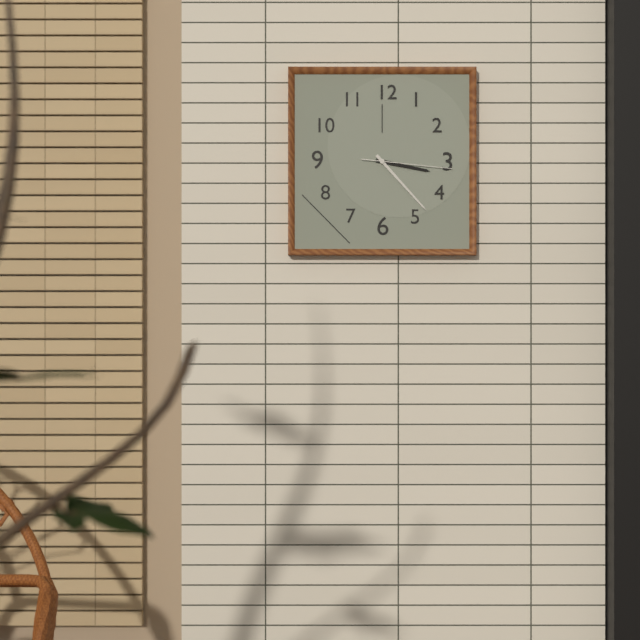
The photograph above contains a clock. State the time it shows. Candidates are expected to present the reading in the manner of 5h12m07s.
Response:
3h23m16s
